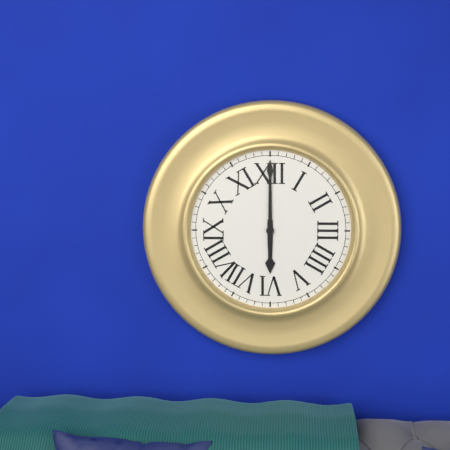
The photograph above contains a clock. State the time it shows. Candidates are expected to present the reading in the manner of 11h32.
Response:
6h00
